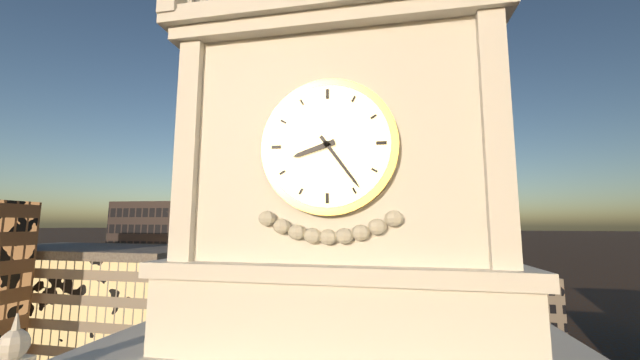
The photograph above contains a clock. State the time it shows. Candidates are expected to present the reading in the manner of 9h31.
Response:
8h24
